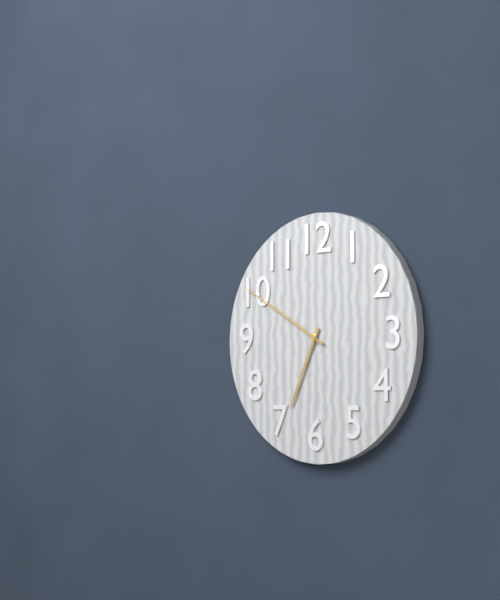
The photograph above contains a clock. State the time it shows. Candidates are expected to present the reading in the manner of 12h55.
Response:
6h50
